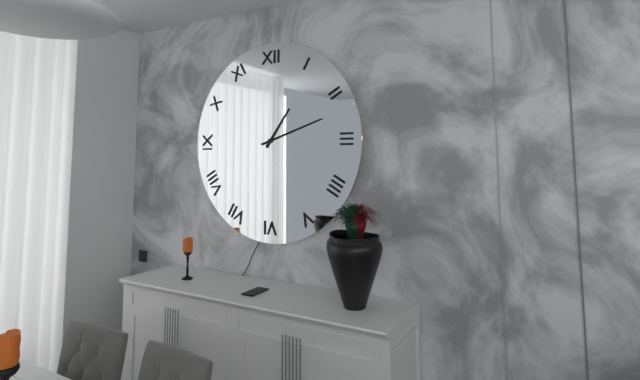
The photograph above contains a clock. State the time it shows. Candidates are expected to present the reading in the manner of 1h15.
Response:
1h12
